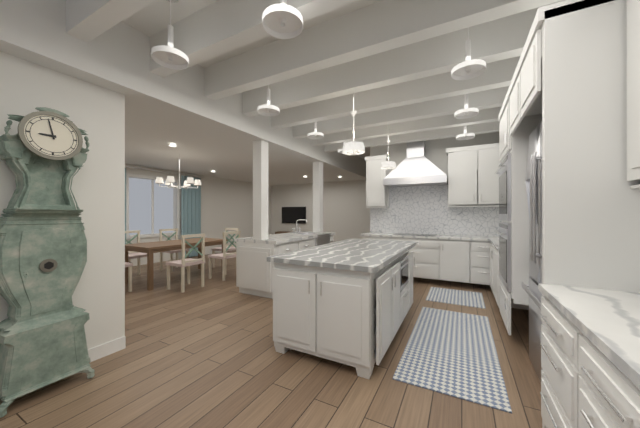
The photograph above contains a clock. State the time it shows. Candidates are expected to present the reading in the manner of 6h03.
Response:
8h58
